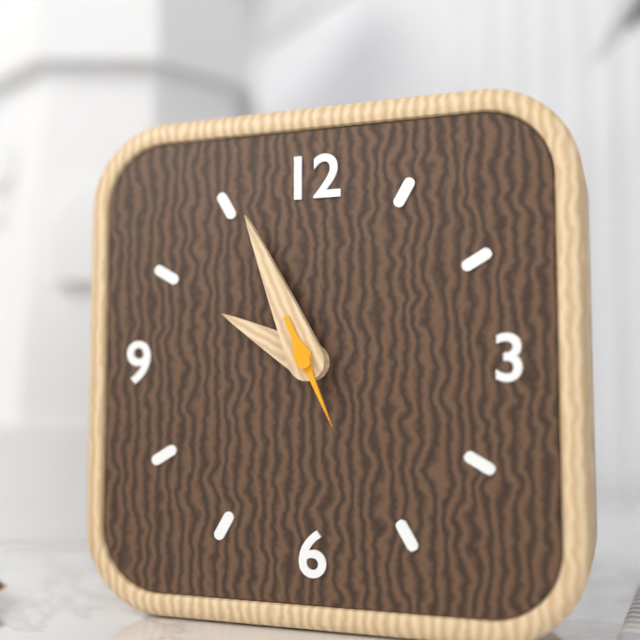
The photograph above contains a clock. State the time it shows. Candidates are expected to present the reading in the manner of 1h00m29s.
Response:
9h56m26s
